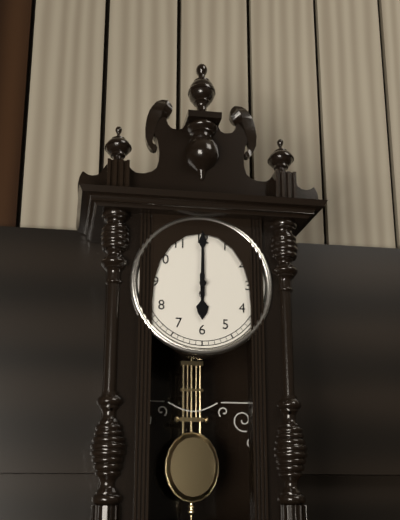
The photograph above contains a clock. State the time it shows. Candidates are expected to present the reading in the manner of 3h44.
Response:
6h00
